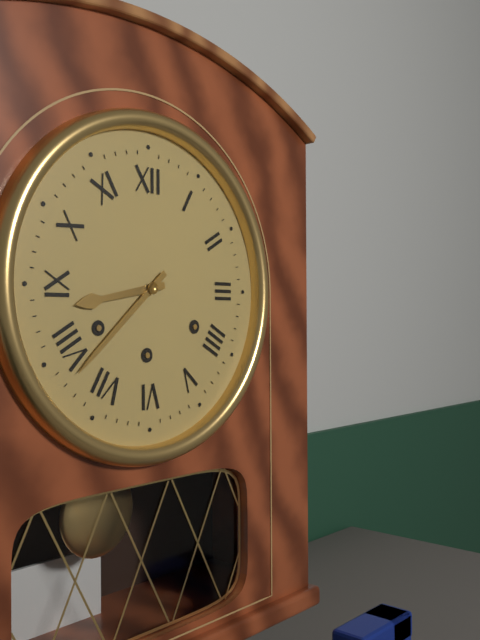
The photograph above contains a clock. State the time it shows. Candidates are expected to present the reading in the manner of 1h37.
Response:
8h38
